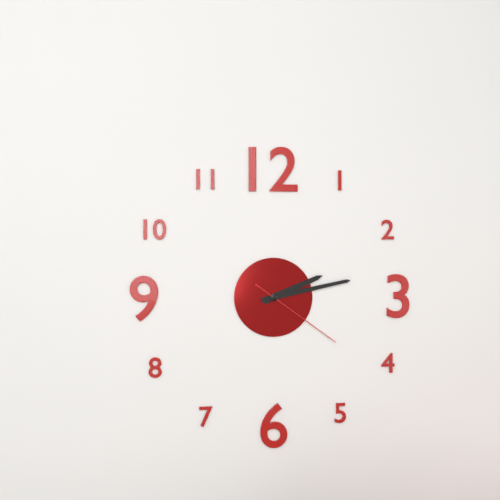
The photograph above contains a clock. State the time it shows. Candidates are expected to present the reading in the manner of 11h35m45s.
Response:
2h13m21s
